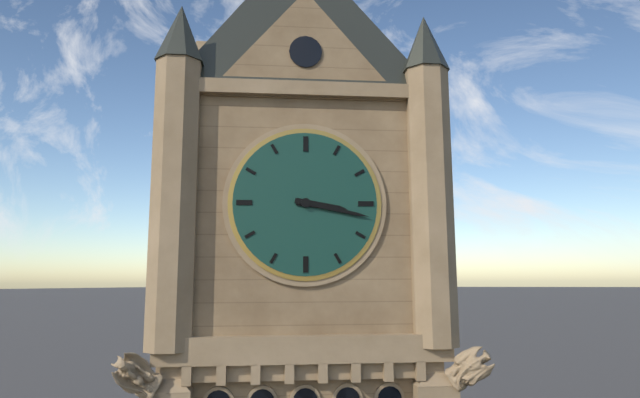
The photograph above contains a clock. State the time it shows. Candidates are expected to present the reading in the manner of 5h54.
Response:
3h17
